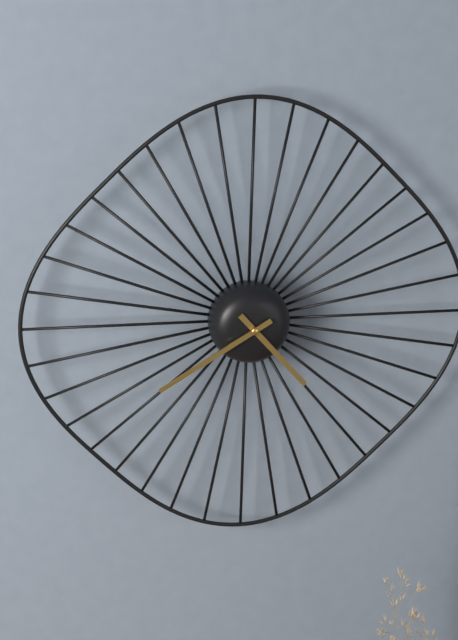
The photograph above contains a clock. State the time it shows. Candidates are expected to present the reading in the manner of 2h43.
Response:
4h40
